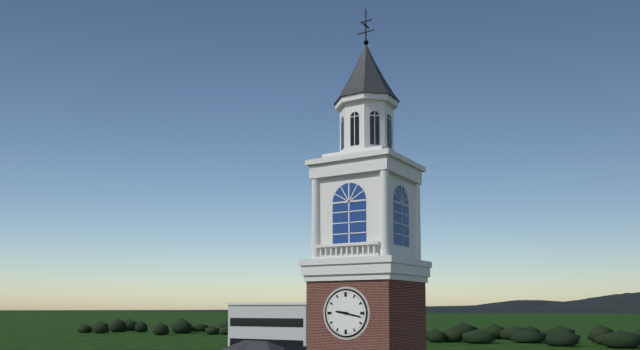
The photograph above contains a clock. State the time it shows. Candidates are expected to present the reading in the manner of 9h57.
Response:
9h17
